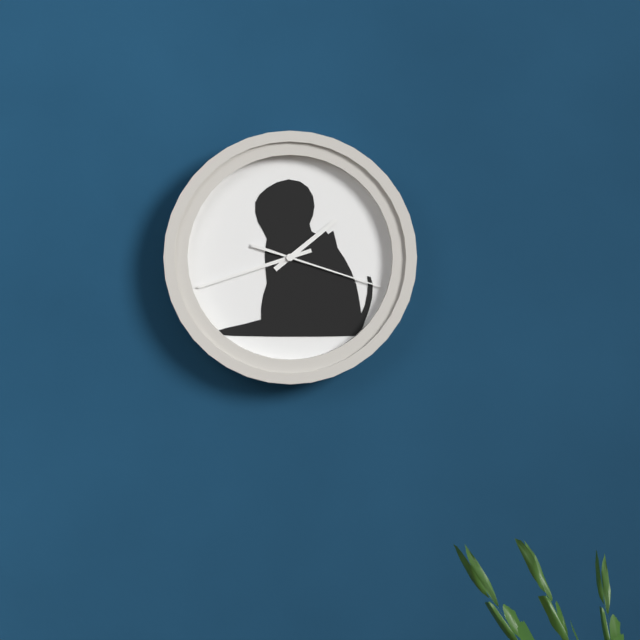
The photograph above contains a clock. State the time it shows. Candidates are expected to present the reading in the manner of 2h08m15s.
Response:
1h42m18s
